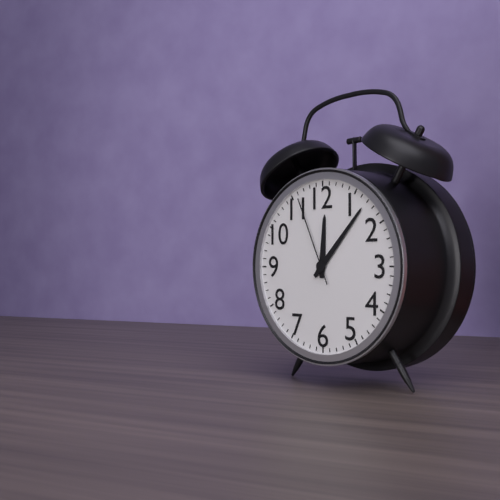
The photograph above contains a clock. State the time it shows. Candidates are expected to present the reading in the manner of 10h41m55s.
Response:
12h07m56s
